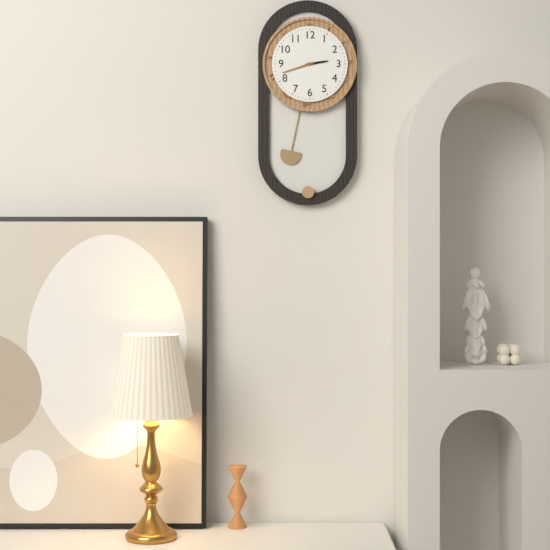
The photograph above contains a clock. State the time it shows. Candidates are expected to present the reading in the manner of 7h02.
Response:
2h42
